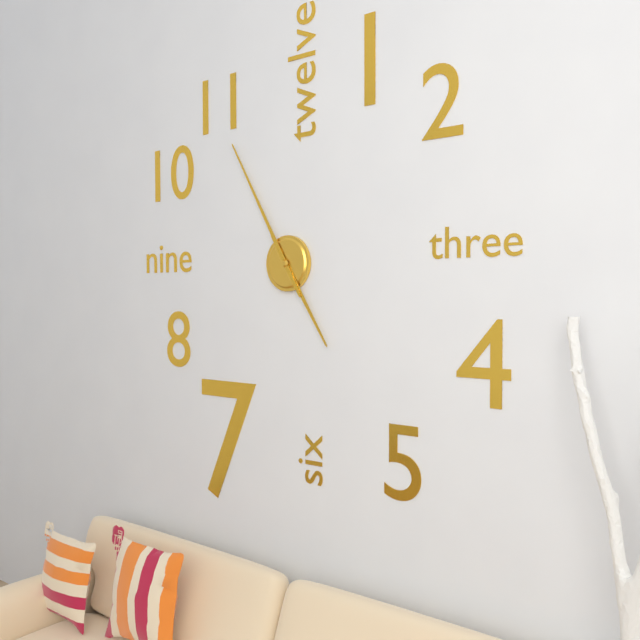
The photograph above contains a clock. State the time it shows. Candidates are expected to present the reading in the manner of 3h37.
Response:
4h55
